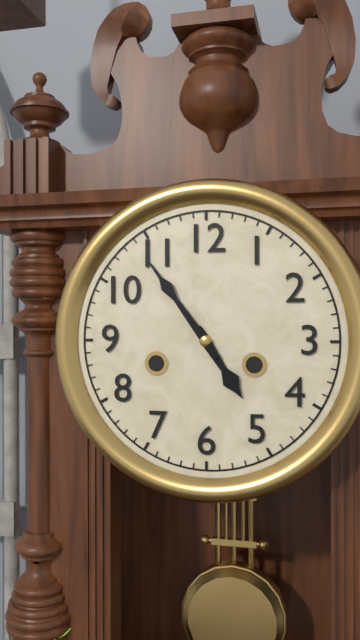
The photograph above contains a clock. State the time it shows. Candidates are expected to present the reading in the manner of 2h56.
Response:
4h54
